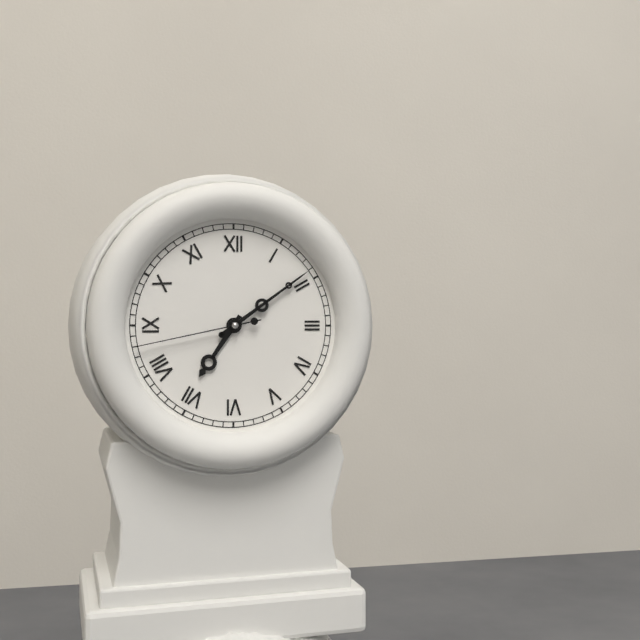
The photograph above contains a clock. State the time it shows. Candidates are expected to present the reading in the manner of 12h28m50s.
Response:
7h09m43s
